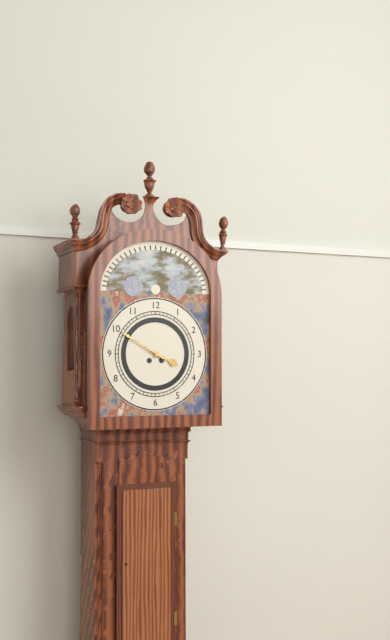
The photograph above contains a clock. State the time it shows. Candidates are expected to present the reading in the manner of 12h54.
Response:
3h50
